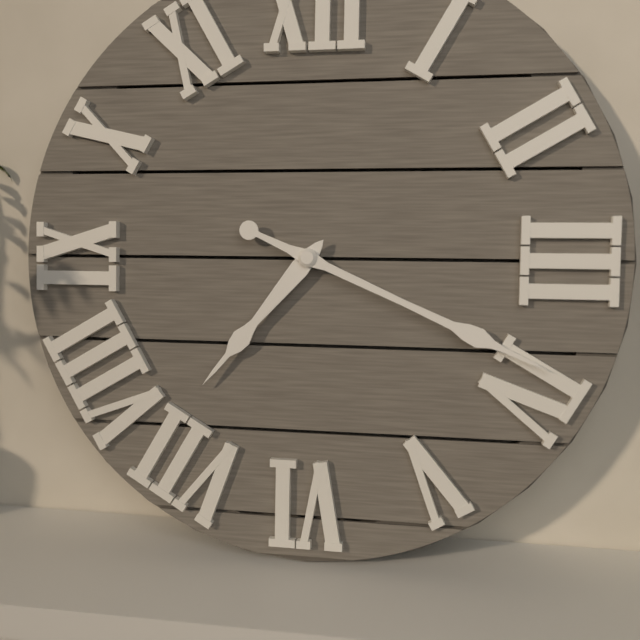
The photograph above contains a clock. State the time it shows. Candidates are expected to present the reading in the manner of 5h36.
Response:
7h19
